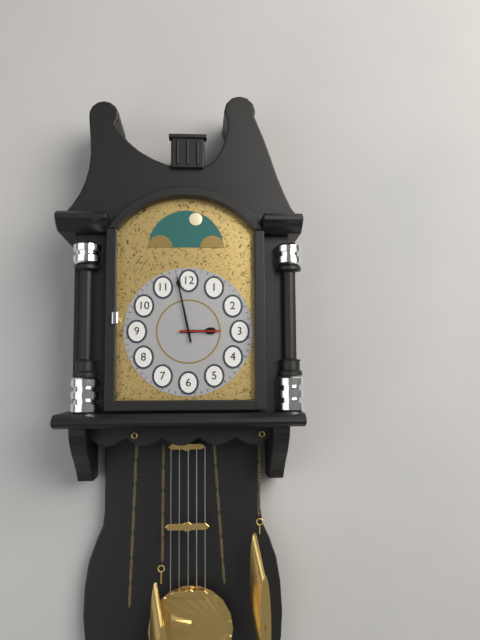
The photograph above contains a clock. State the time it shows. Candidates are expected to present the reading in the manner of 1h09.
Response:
2h58
